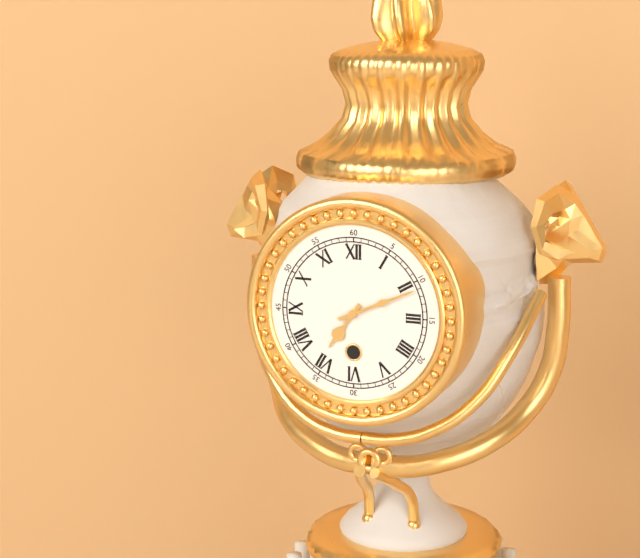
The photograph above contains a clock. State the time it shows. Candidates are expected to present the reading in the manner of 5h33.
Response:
7h11
